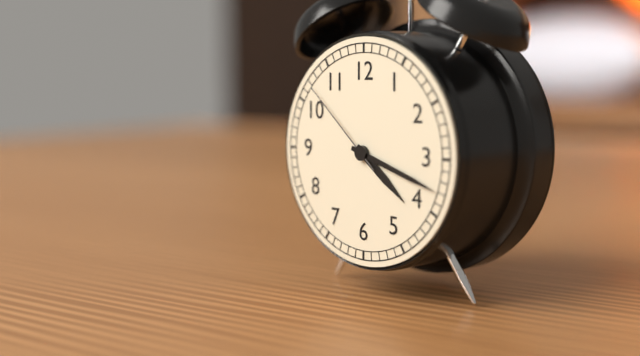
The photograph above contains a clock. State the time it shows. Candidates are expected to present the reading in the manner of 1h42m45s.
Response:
4h18m52s
